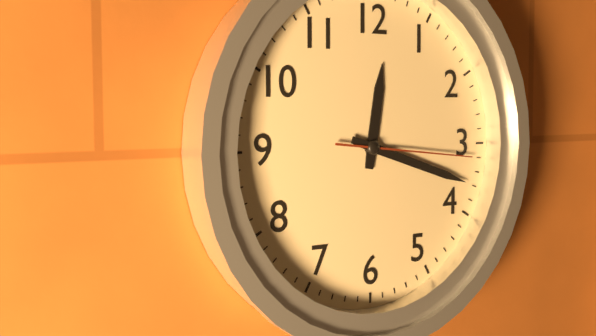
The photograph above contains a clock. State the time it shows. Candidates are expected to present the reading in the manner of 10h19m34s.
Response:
12h18m16s
